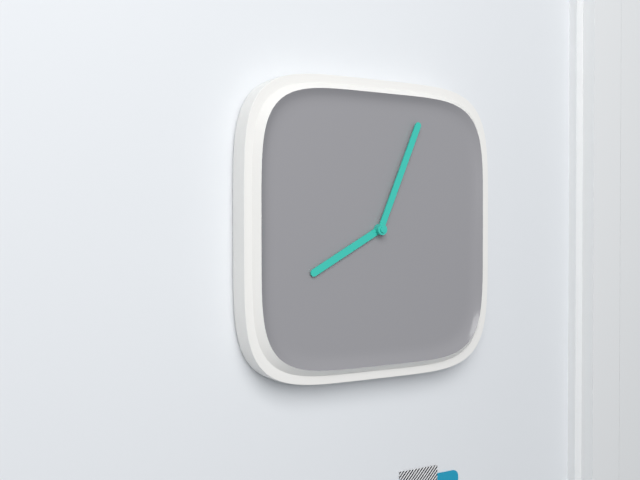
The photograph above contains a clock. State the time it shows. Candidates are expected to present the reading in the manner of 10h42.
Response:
8h04
